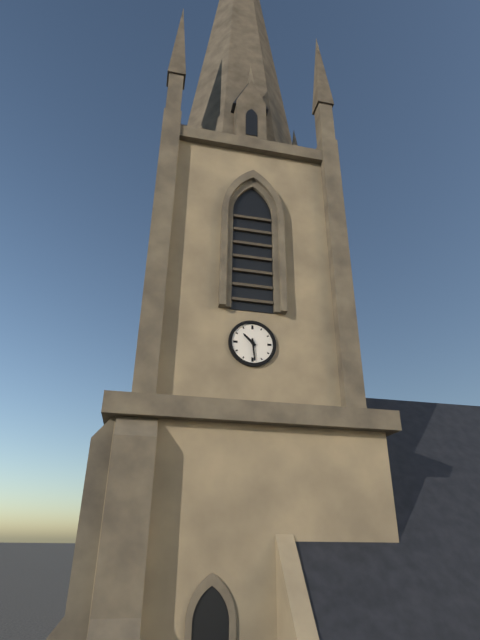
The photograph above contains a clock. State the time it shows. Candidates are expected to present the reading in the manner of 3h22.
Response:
10h29
